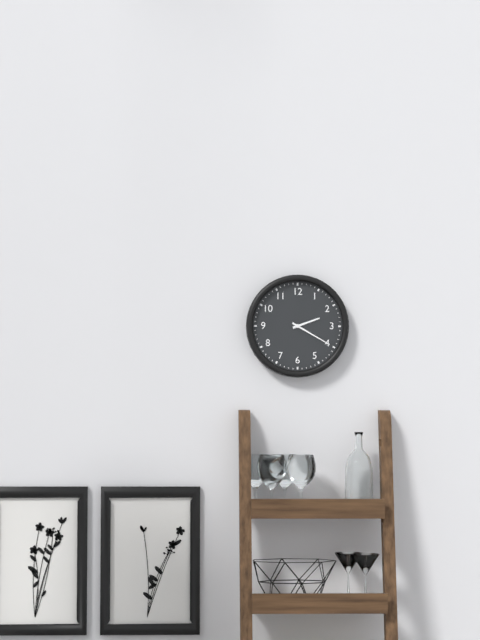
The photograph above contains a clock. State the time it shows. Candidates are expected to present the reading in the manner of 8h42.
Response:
2h20
